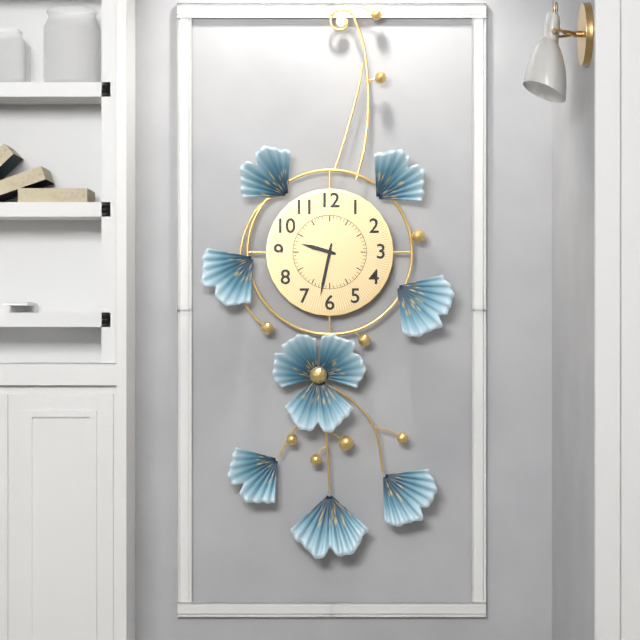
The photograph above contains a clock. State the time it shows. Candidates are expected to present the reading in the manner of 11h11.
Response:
9h32
